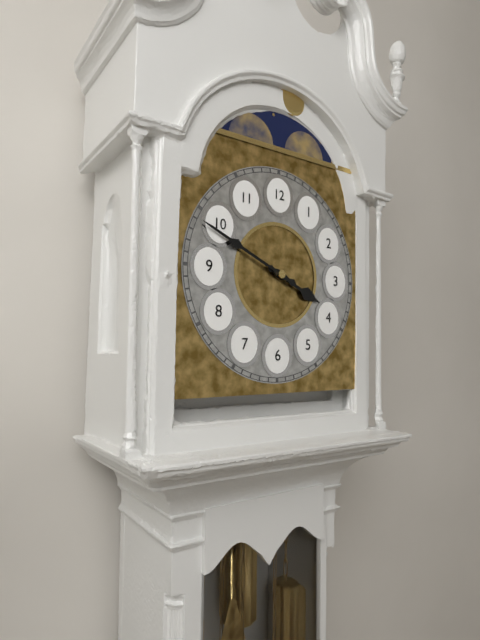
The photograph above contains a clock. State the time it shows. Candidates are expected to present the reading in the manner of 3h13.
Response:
3h49
